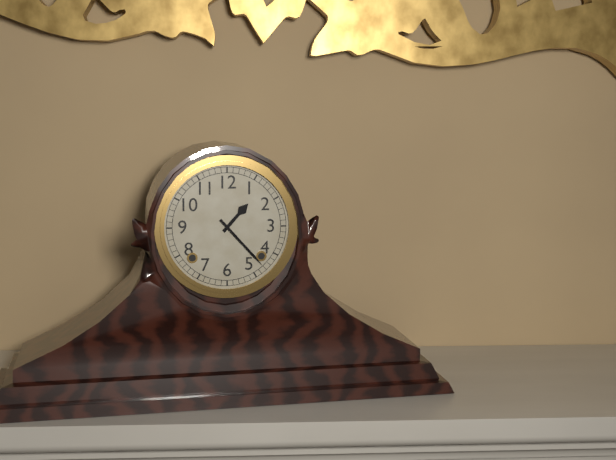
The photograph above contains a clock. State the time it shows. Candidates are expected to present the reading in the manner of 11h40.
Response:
1h23
